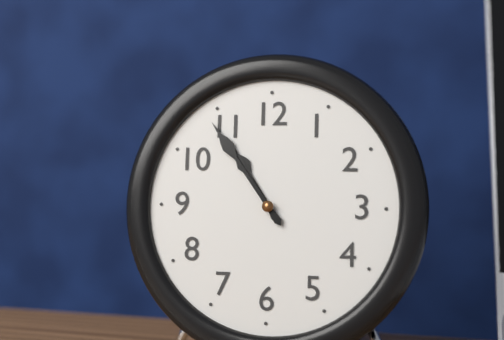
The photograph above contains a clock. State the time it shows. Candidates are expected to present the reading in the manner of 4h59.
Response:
10h54
